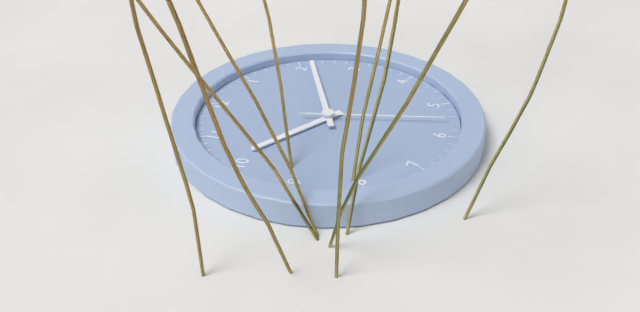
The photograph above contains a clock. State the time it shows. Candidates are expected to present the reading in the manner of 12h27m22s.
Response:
10h11m28s
